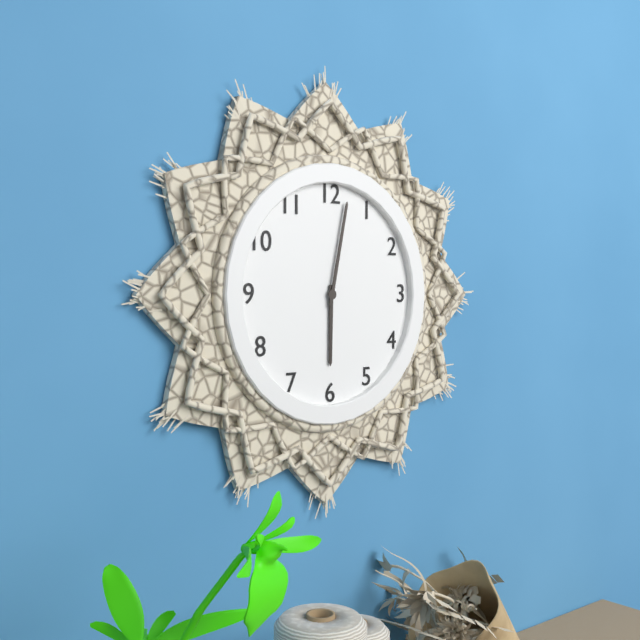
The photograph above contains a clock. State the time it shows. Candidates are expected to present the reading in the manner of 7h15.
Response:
6h02
